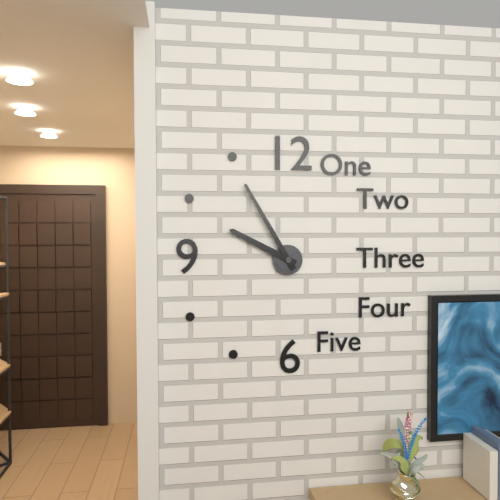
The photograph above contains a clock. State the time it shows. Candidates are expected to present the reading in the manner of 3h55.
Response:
9h55
